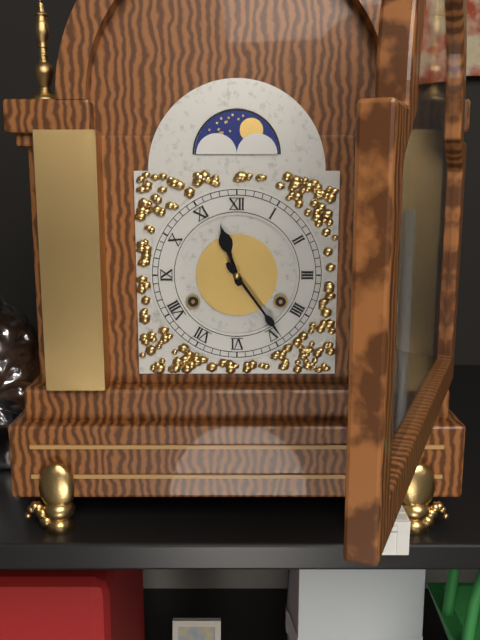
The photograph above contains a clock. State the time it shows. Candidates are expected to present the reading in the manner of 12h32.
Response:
11h24
